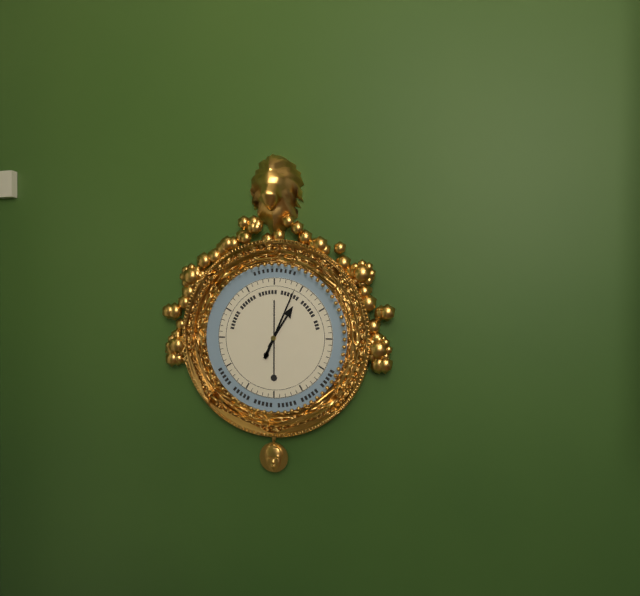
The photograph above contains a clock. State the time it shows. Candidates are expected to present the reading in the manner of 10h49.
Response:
1h04
